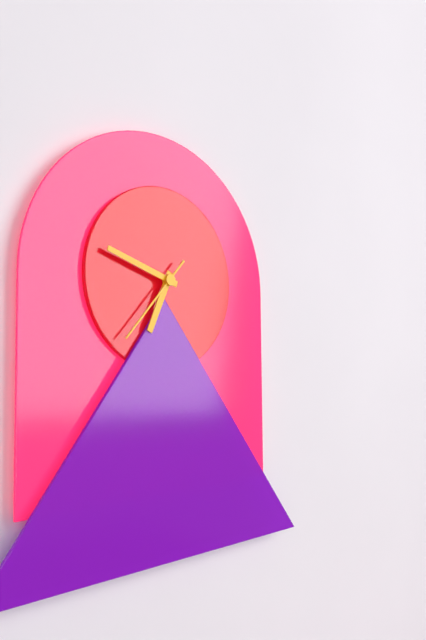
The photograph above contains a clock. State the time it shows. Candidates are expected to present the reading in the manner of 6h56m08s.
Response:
6h48m37s
